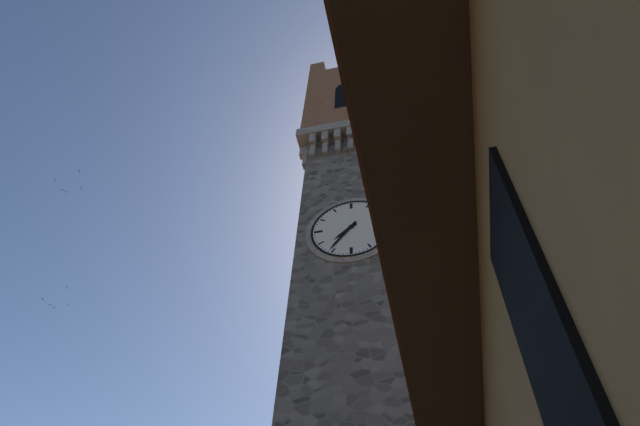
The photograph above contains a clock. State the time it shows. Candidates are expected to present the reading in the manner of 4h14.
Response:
7h36
